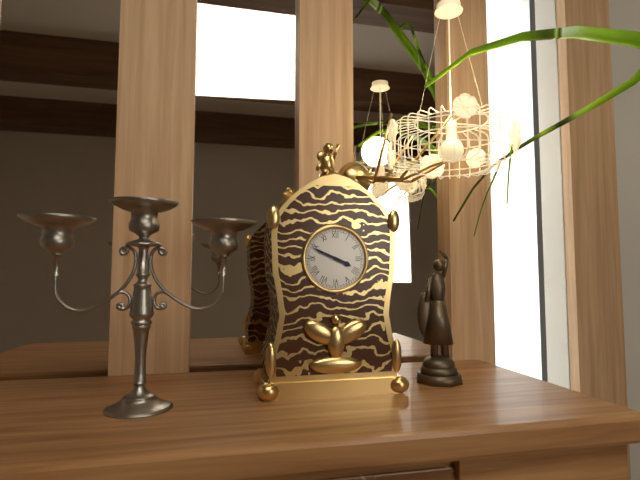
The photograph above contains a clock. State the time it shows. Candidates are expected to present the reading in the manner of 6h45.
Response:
3h49
